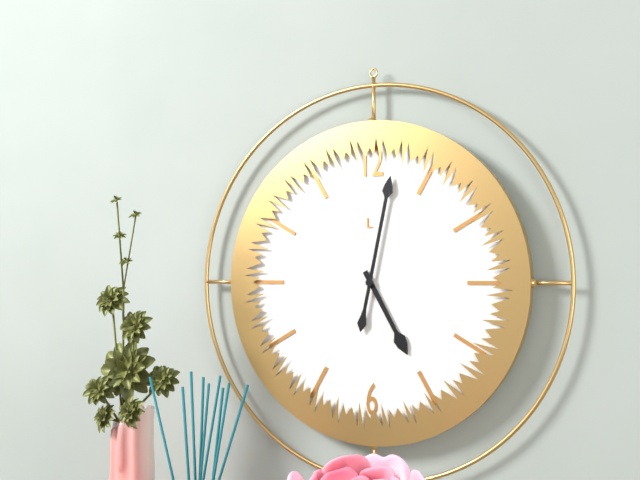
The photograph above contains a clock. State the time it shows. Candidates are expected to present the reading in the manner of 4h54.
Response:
5h02
